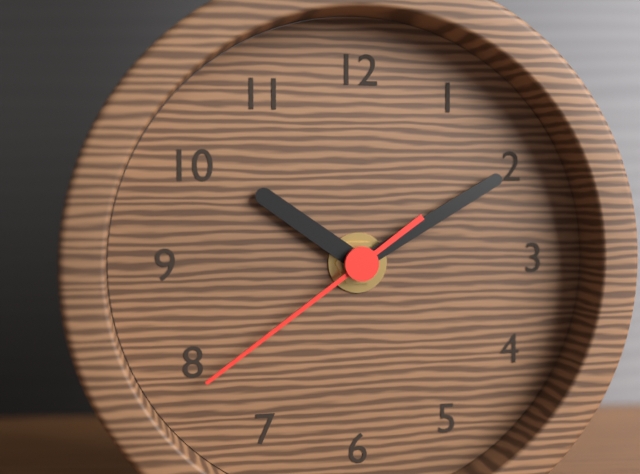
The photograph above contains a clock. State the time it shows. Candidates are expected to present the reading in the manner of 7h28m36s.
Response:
10h10m39s
